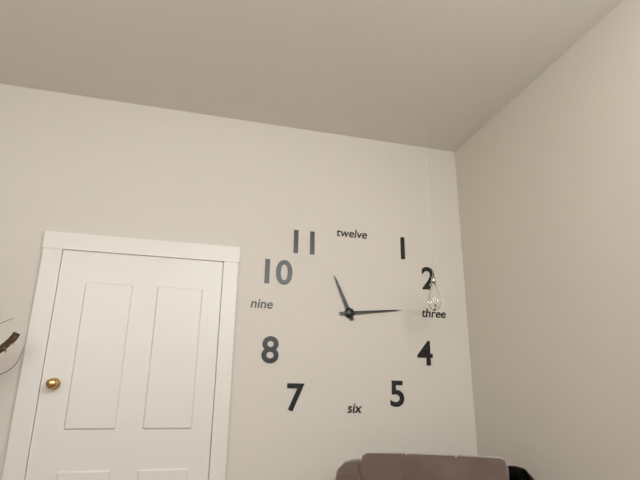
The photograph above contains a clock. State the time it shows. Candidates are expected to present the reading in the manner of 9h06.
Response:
11h14
